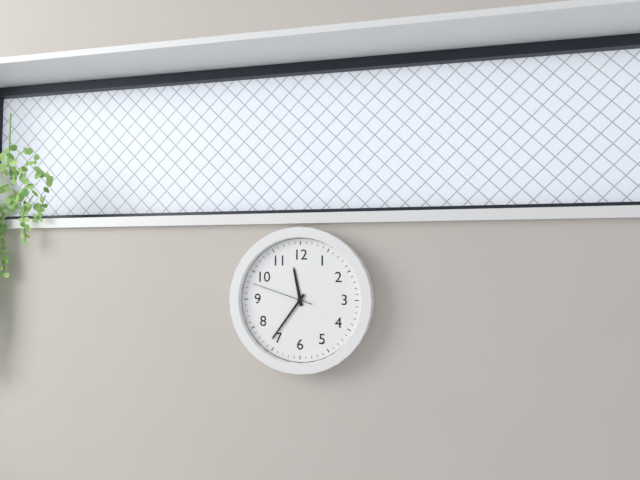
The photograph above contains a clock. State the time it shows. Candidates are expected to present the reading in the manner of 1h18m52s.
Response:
11h36m48s
